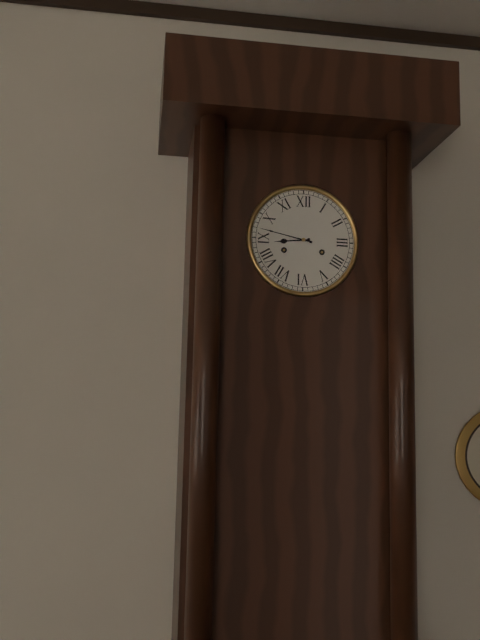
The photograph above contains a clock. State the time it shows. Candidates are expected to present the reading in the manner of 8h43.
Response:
8h47
